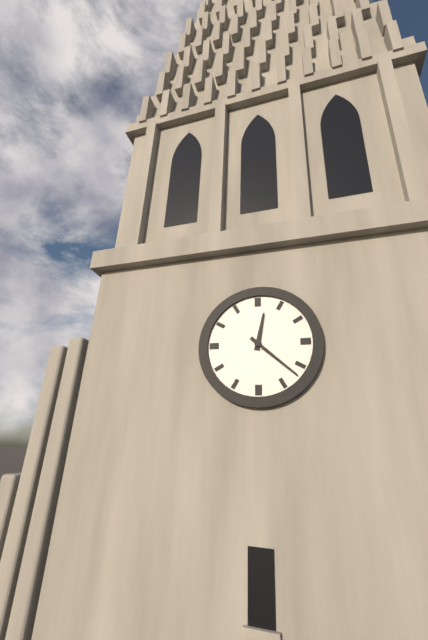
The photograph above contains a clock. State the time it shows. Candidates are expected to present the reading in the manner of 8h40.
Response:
12h22
